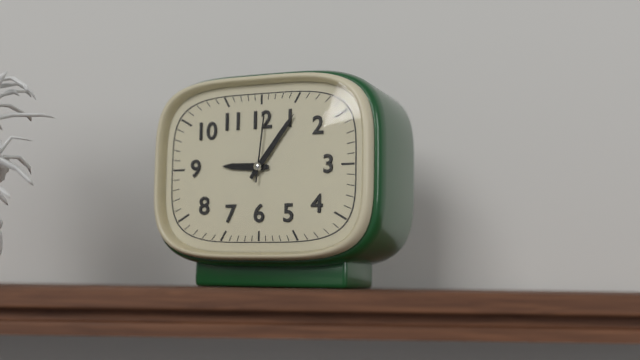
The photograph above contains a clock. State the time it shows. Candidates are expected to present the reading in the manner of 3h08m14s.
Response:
9h06m01s
